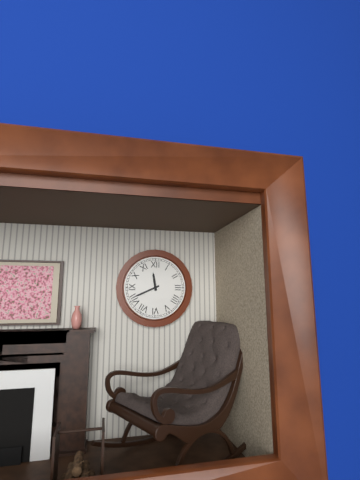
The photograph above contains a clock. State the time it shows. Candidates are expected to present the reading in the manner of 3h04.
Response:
11h41
